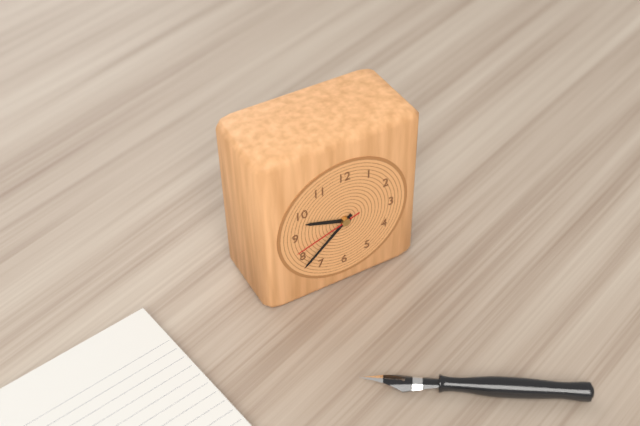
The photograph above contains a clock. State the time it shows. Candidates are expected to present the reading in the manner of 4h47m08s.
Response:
9h38m42s
